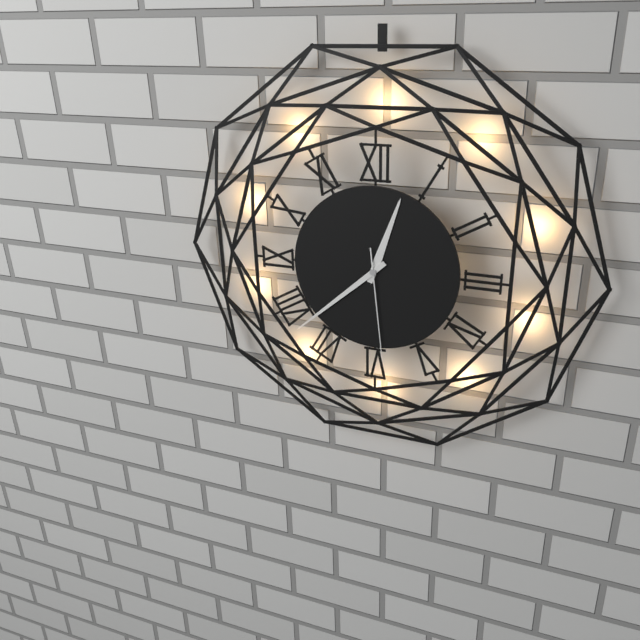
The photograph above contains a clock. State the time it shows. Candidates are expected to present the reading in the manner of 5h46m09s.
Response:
12h38m29s
